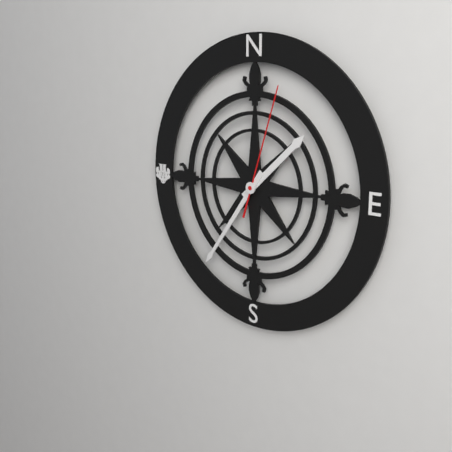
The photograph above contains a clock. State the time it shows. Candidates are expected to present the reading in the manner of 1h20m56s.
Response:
1h36m03s
